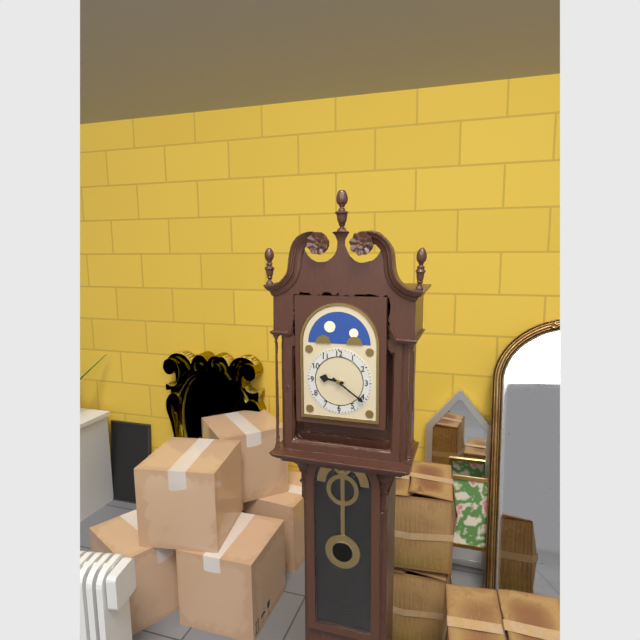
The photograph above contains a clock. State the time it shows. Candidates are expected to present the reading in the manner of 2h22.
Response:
9h21
